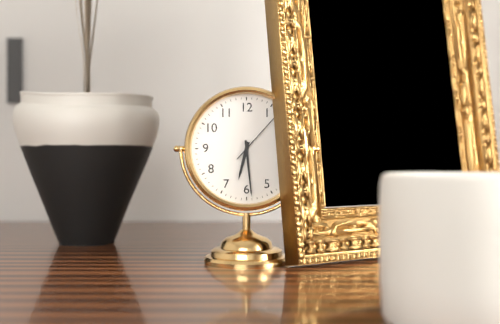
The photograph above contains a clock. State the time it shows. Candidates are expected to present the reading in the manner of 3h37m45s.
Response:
6h29m07s
